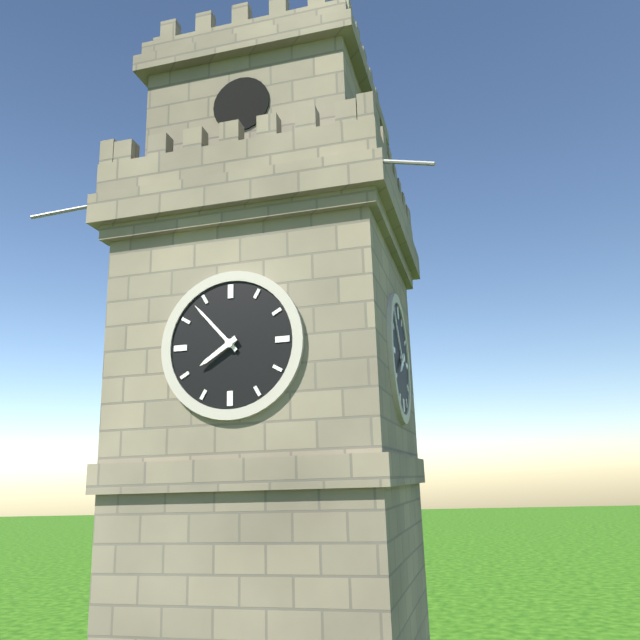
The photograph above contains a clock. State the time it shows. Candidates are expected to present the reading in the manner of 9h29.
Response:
7h53
